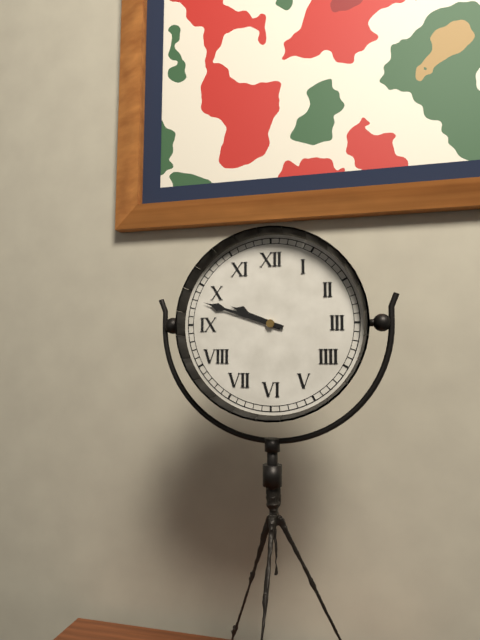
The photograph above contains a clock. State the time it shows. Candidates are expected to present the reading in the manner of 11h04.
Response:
9h48
